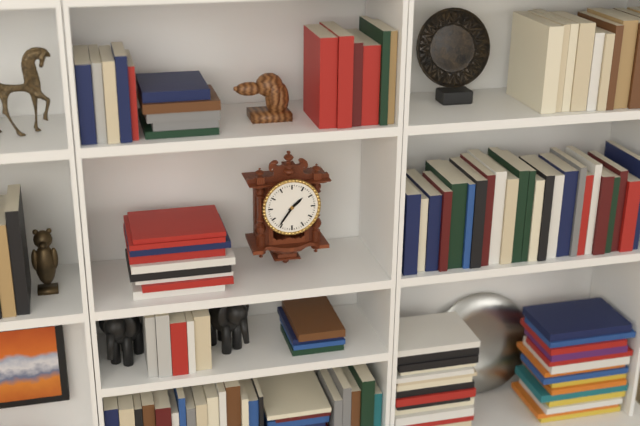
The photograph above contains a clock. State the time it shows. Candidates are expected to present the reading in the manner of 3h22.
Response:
1h36
